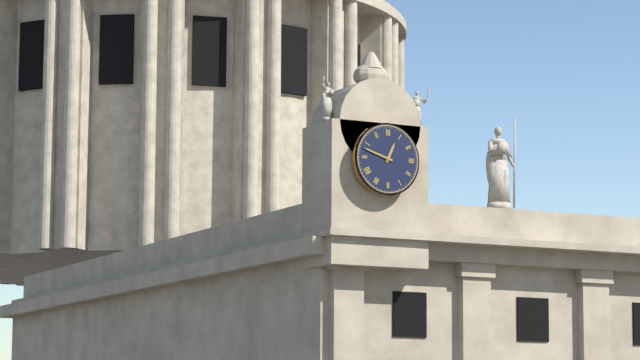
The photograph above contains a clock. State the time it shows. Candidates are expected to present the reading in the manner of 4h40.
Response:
12h48
